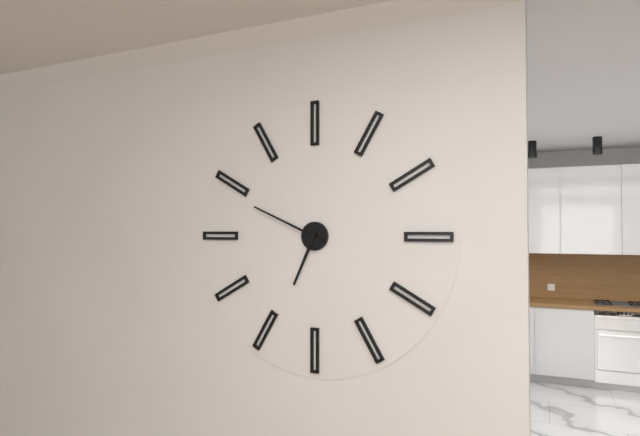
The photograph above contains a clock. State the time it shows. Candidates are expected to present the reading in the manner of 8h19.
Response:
6h49
